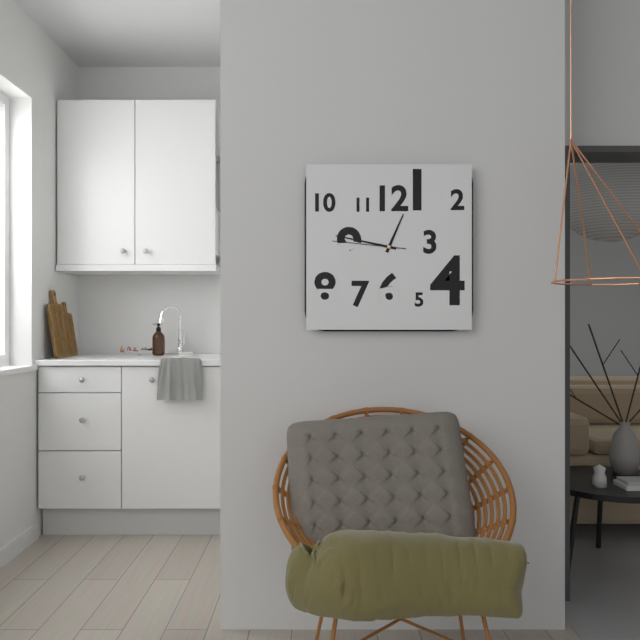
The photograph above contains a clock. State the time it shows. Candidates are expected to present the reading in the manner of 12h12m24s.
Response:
12h47m46s
